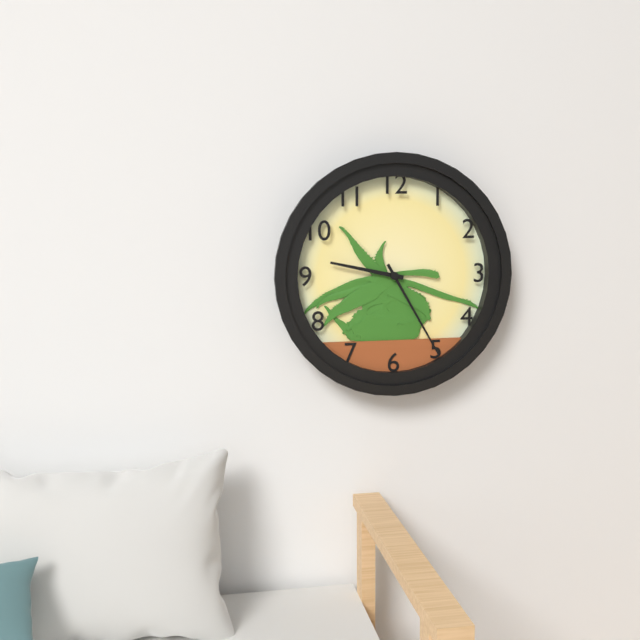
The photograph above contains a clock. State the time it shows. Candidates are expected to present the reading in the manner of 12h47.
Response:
9h25
